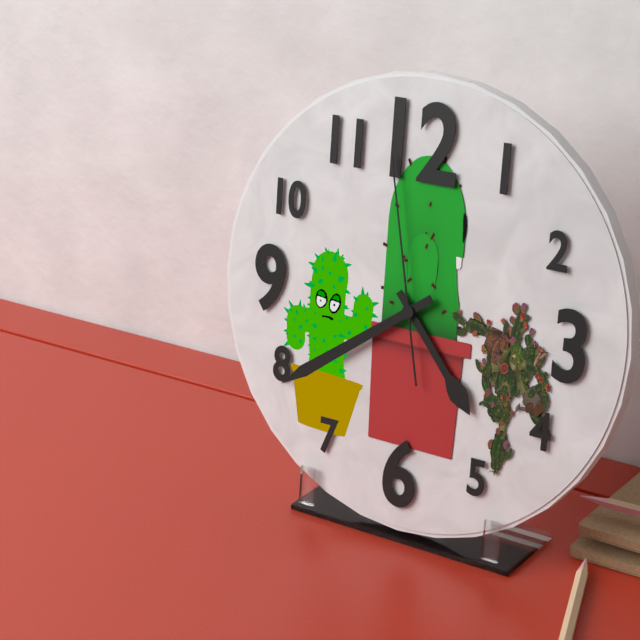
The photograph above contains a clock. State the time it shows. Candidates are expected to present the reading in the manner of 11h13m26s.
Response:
4h39m58s
